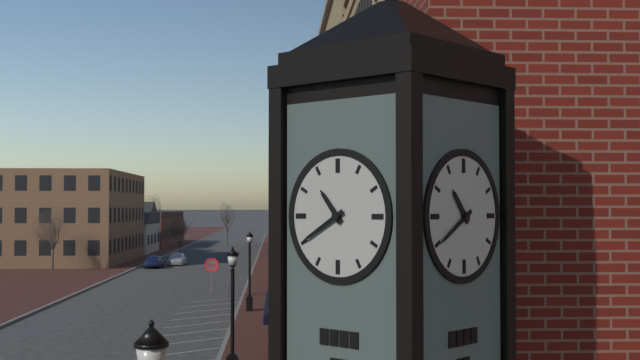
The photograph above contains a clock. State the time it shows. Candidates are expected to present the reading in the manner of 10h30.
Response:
10h40
